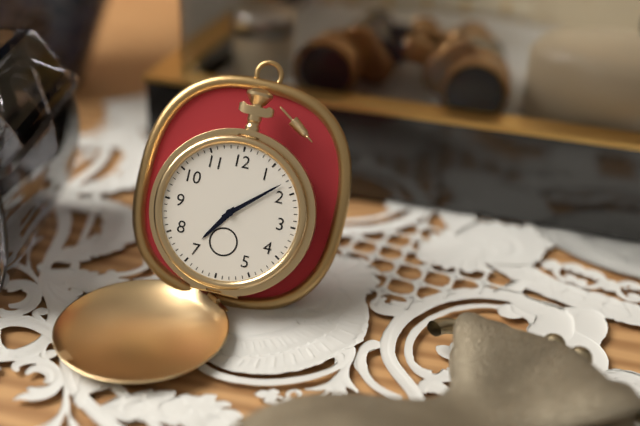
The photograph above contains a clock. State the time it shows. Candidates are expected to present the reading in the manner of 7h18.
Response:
7h08
